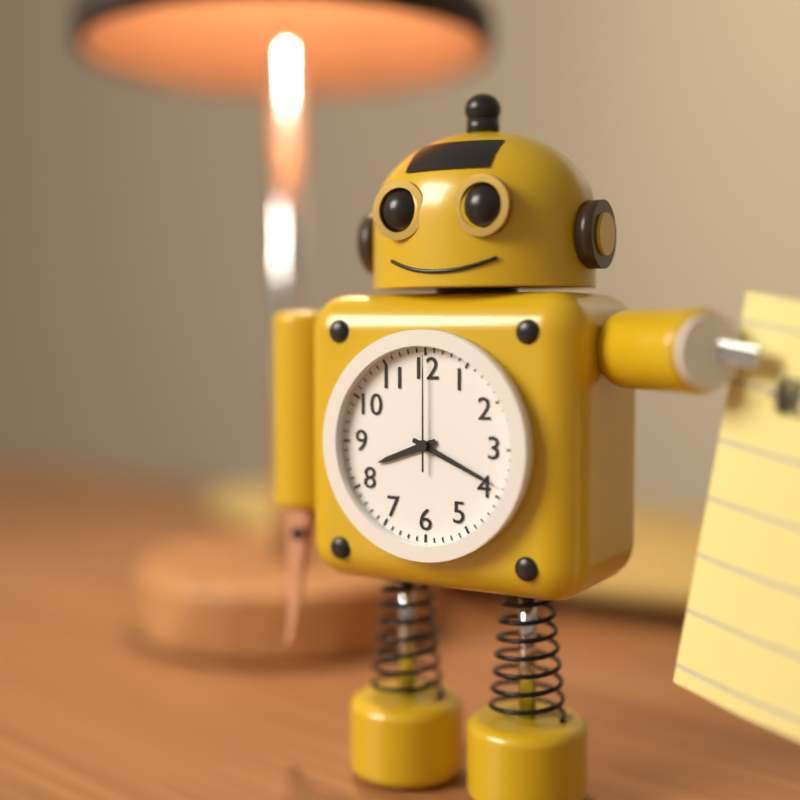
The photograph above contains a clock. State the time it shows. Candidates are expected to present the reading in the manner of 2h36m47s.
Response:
8h19m00s
